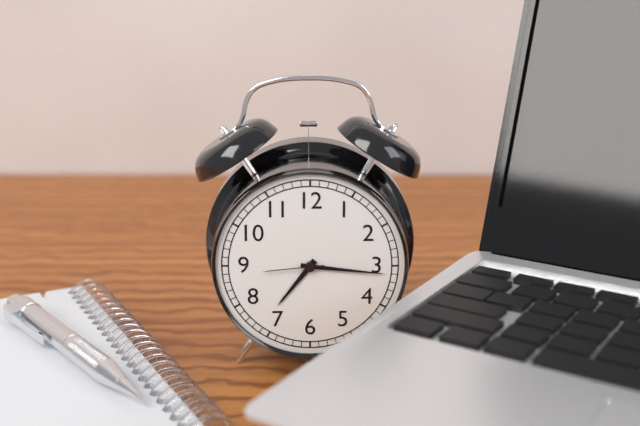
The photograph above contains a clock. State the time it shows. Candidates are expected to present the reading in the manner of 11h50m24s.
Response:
7h16m44s
